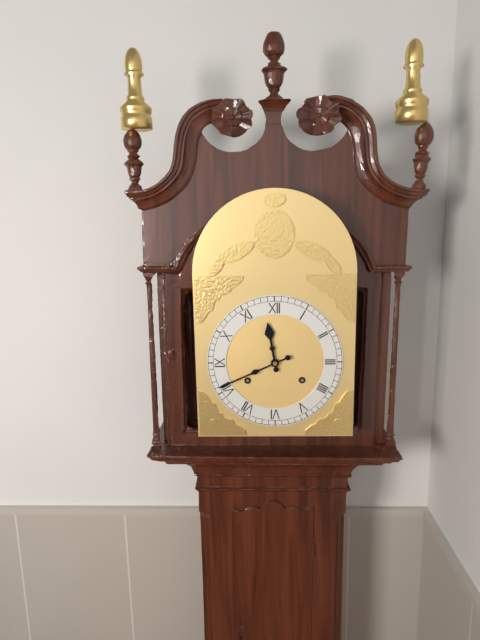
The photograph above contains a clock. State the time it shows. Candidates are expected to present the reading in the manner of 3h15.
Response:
11h41
